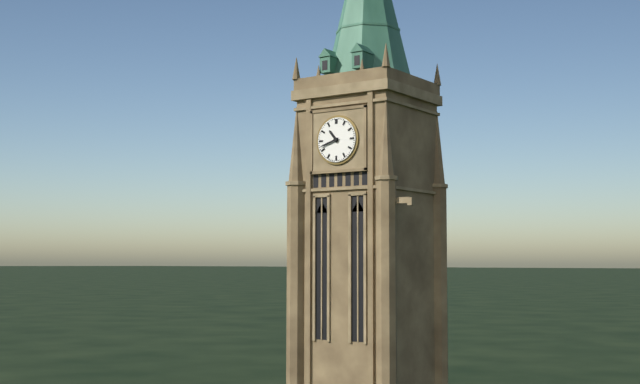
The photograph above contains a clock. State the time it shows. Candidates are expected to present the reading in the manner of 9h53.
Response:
10h42
